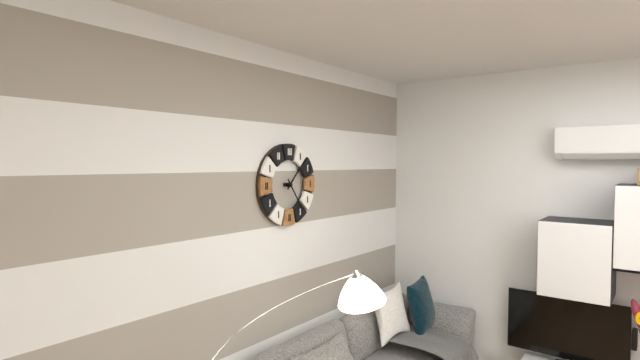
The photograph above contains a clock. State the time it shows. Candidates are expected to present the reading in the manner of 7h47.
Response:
1h24
